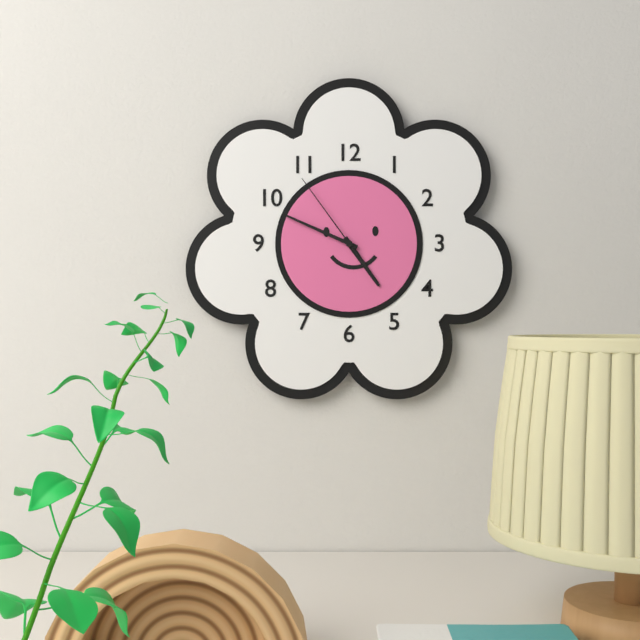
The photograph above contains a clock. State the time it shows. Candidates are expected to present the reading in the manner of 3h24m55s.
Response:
4h49m54s
